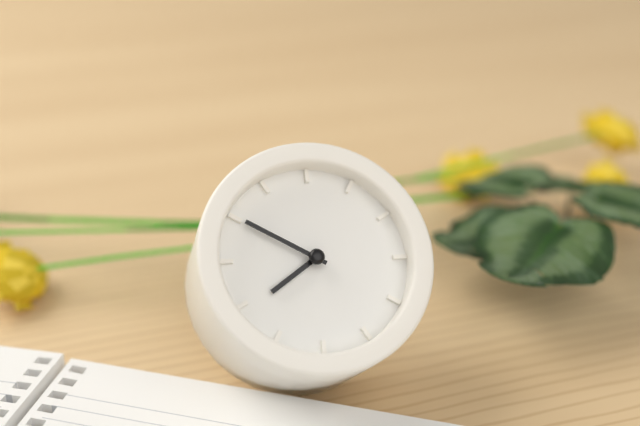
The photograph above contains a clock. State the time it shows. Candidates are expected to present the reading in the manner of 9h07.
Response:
7h50
